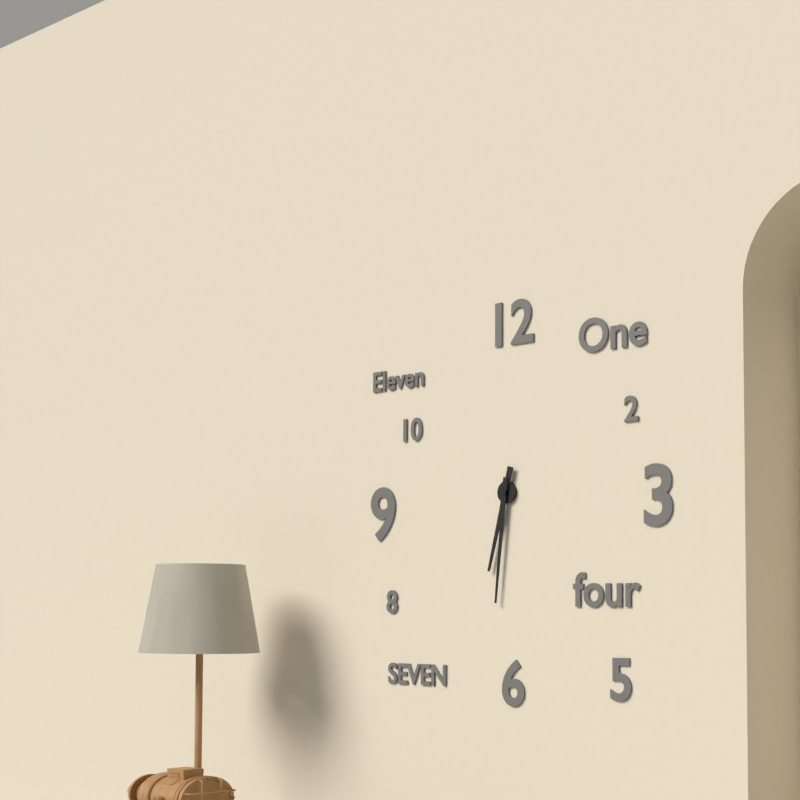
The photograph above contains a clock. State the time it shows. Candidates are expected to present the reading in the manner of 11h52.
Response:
6h31
